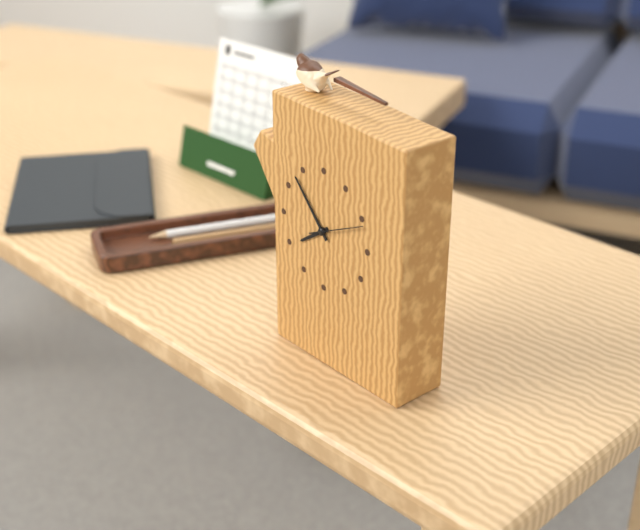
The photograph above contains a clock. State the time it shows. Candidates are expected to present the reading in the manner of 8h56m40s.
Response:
7h53m11s
